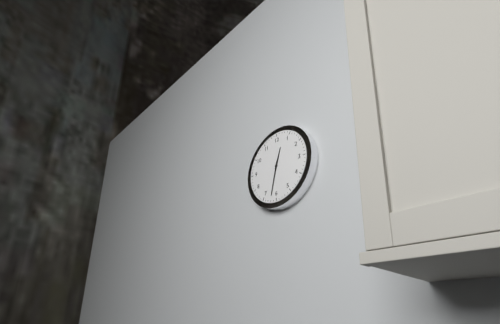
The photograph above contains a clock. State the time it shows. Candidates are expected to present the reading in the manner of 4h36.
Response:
12h32
